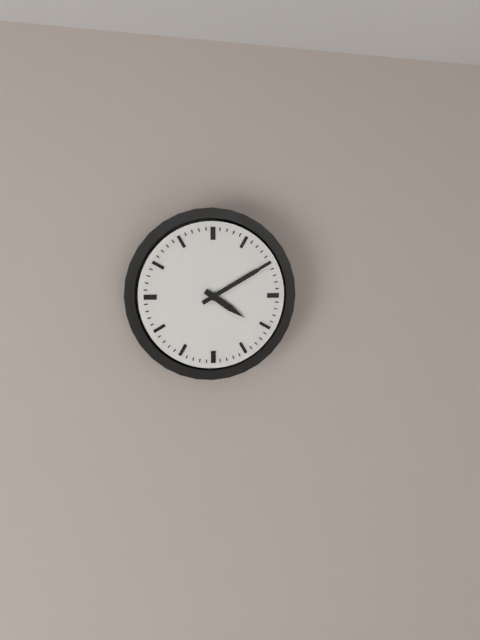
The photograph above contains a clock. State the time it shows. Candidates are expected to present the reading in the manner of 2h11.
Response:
4h10
